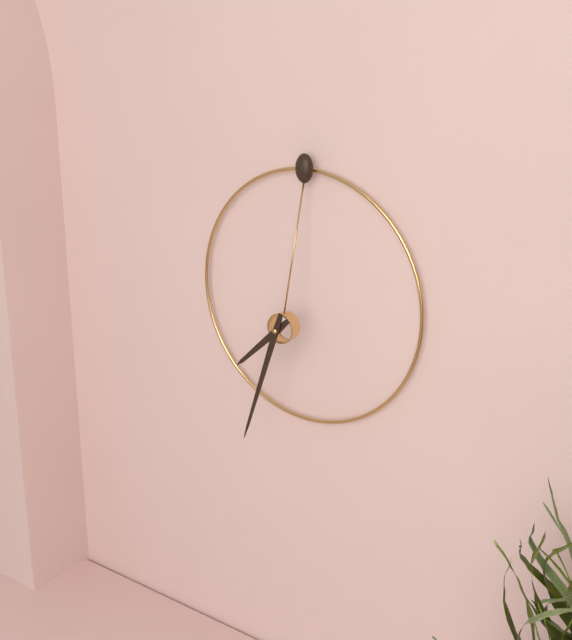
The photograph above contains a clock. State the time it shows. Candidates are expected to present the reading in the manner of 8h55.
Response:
7h33
